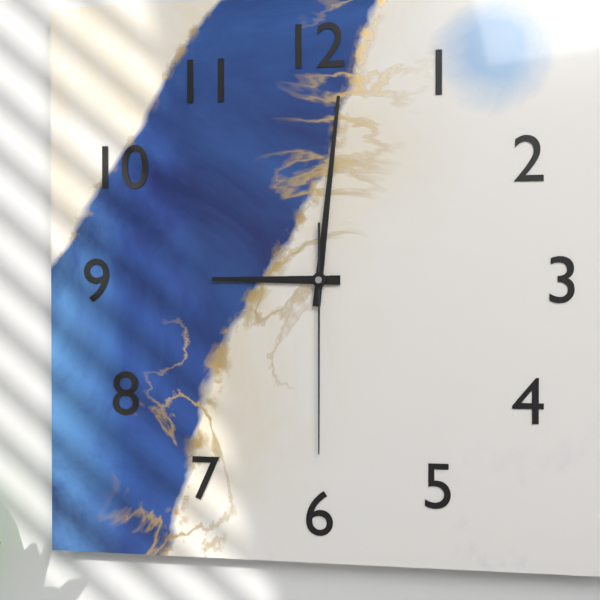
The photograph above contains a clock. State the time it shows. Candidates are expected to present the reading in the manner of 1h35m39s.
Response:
9h01m30s
